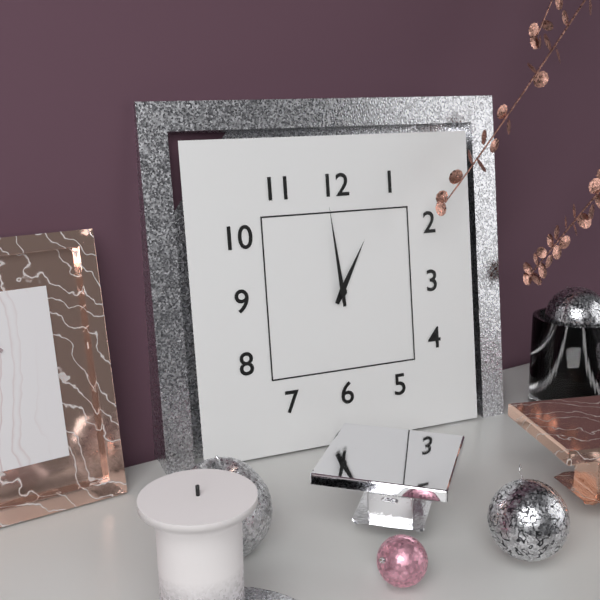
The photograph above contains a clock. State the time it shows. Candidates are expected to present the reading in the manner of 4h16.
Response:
12h59
